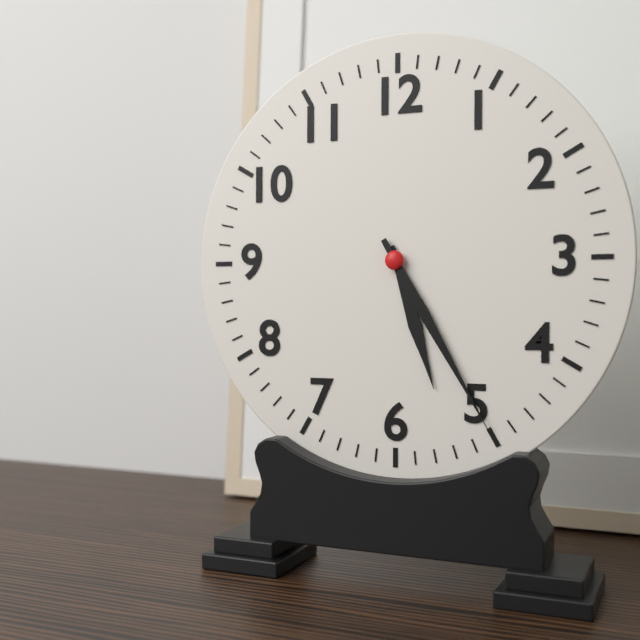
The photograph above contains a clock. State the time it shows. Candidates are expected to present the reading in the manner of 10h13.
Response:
5h25
